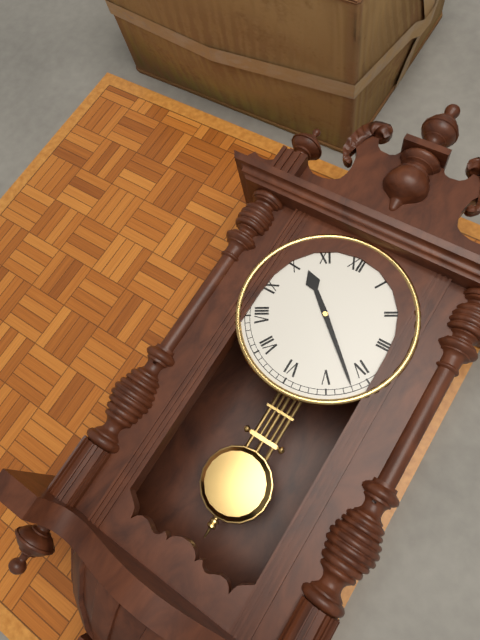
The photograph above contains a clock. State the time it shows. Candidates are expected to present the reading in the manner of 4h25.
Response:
10h22
